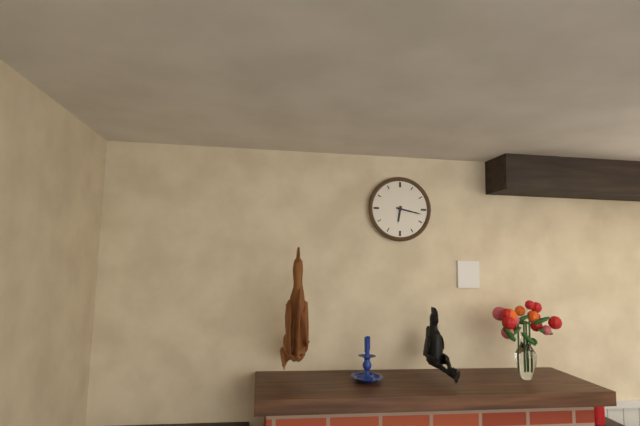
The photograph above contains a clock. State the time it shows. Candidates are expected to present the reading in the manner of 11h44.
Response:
6h17
